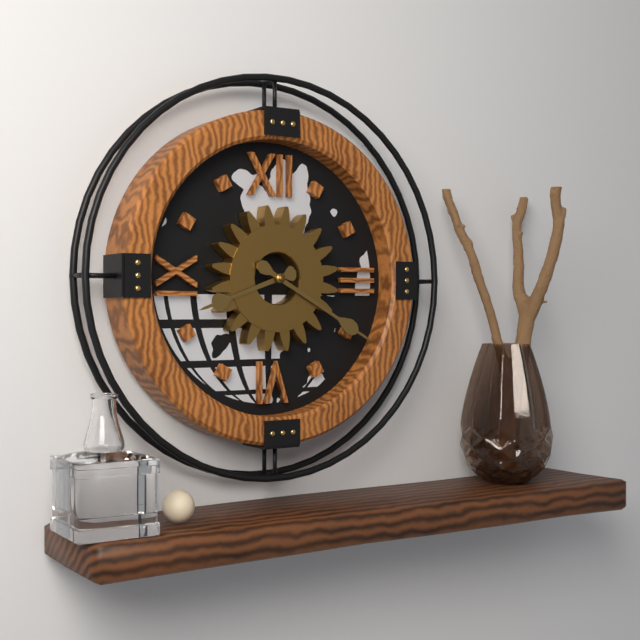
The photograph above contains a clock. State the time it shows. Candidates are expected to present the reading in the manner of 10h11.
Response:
8h20
